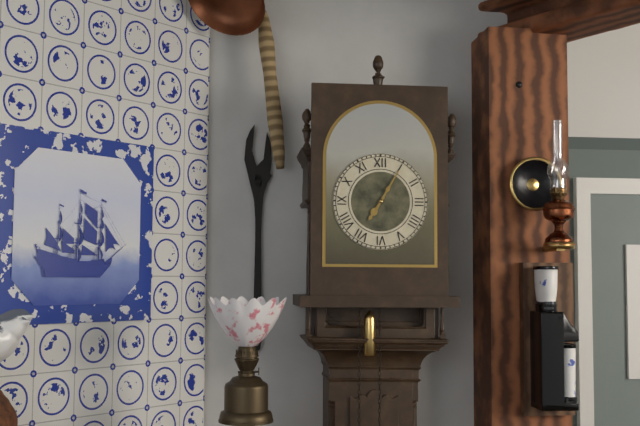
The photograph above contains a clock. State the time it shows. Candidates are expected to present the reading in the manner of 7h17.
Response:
7h05
